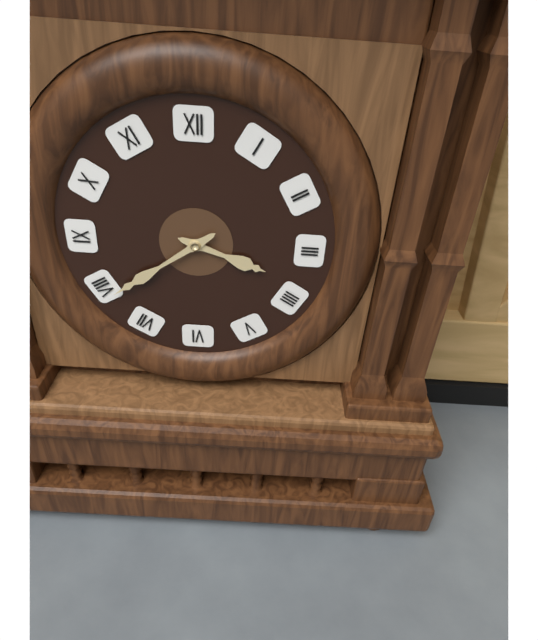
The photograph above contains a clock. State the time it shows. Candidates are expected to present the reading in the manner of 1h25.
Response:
3h39
